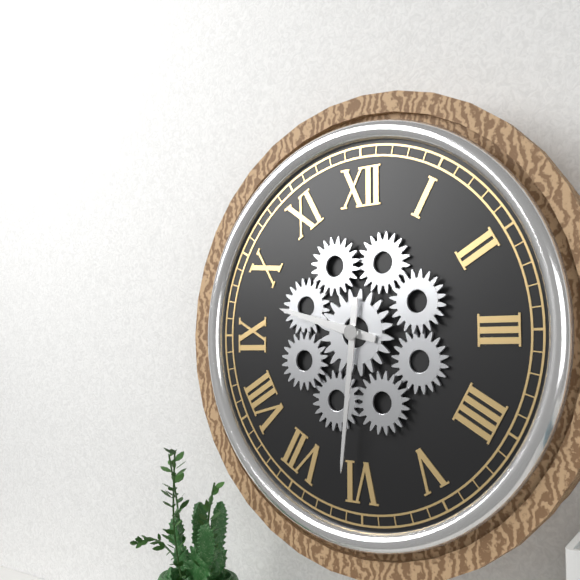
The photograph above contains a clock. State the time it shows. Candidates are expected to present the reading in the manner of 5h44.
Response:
9h31
